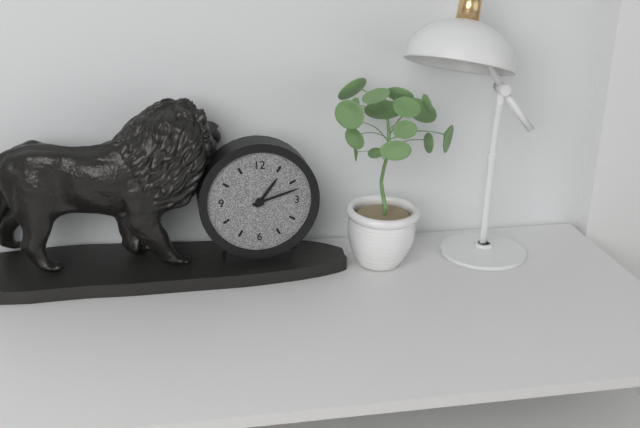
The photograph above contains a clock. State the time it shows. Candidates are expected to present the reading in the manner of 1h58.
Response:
1h12
